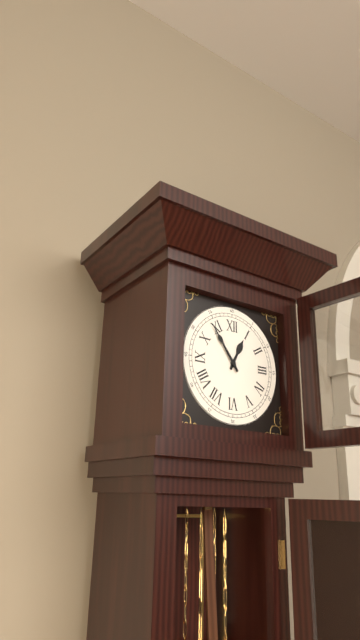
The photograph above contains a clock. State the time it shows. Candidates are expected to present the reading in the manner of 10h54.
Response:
12h54
